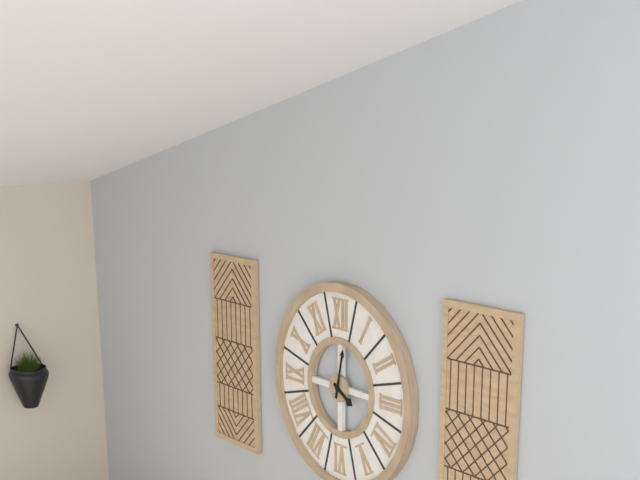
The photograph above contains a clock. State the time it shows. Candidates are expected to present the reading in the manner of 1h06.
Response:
4h02
